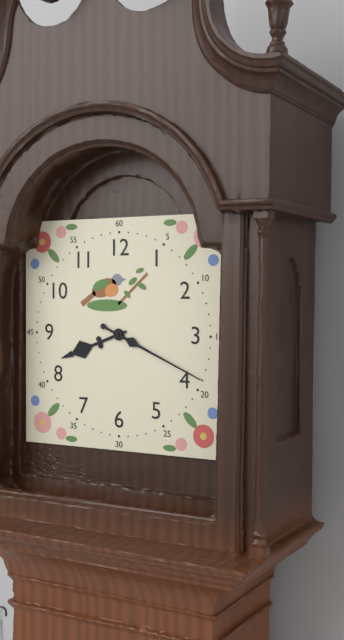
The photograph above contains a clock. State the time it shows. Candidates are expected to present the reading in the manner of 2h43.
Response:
8h19
